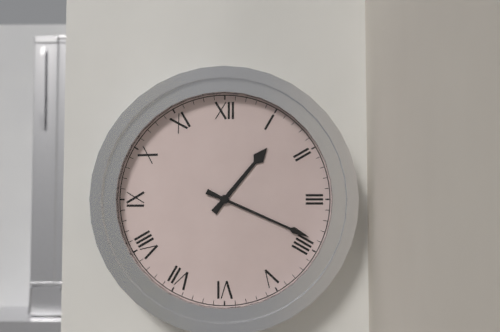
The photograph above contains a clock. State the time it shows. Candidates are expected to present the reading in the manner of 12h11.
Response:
1h19
